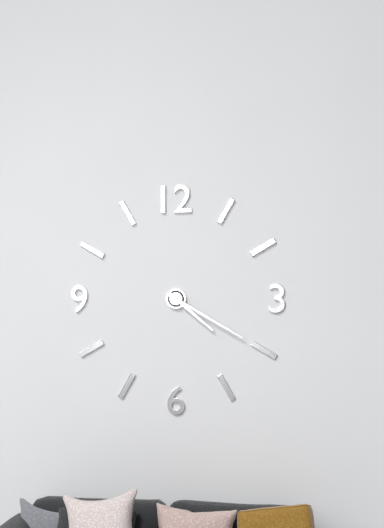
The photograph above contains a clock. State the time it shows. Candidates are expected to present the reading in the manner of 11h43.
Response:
4h20
